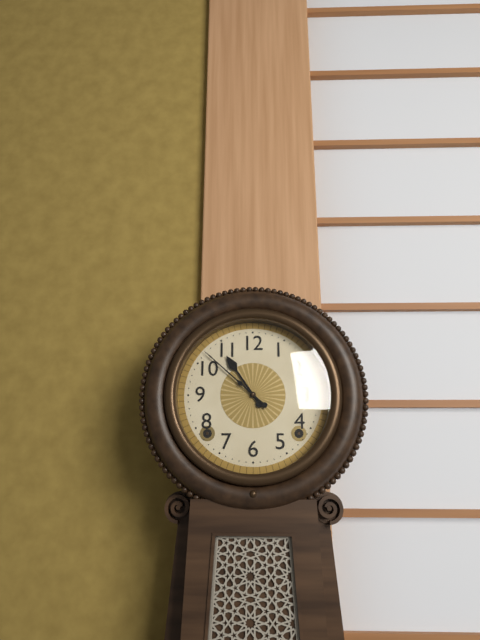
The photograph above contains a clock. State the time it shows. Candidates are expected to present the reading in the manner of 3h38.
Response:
10h52
